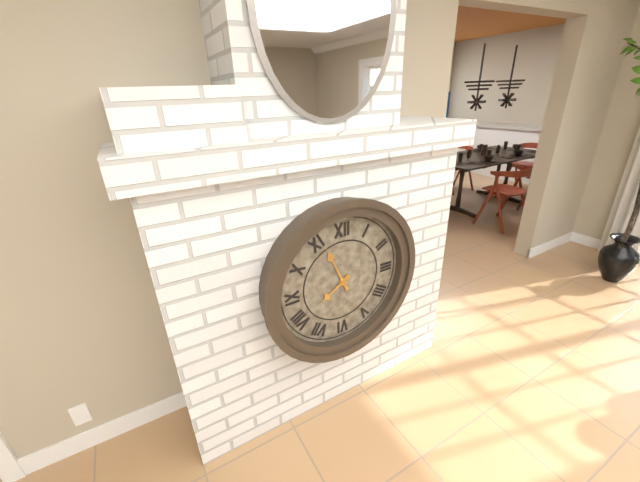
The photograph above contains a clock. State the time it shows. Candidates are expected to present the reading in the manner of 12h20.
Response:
7h56
